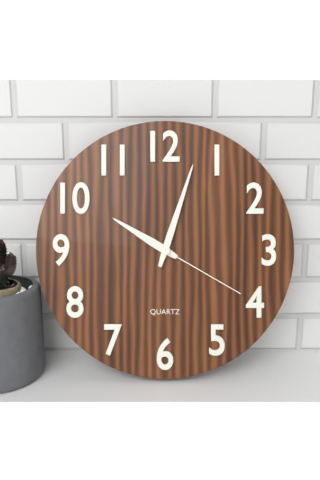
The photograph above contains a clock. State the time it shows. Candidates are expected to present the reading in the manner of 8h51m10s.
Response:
10h03m20s
